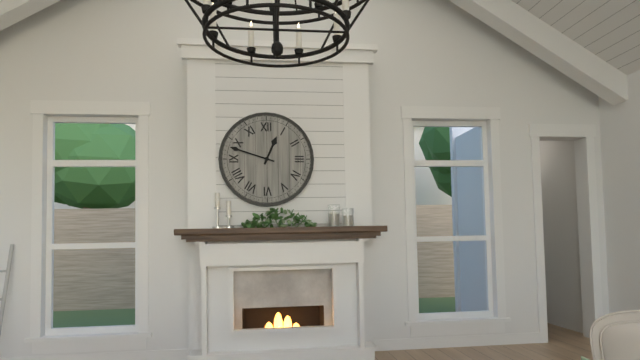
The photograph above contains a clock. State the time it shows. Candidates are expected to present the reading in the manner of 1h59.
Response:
12h48
